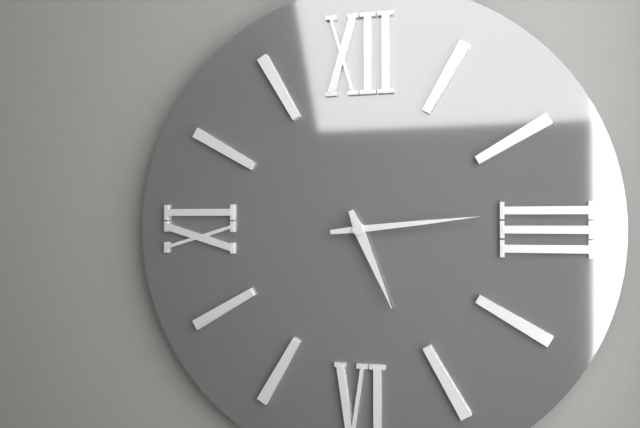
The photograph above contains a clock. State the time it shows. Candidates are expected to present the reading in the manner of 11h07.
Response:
5h14
